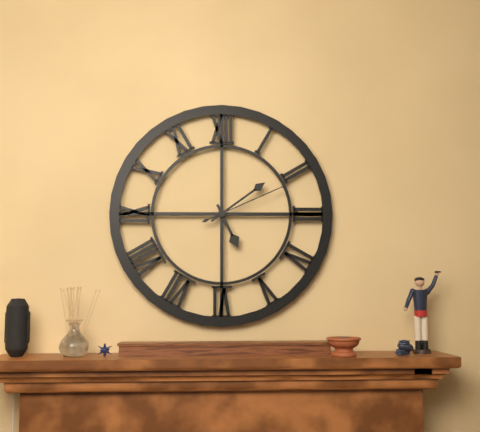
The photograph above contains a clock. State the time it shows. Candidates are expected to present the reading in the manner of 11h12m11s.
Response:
5h09m11s
